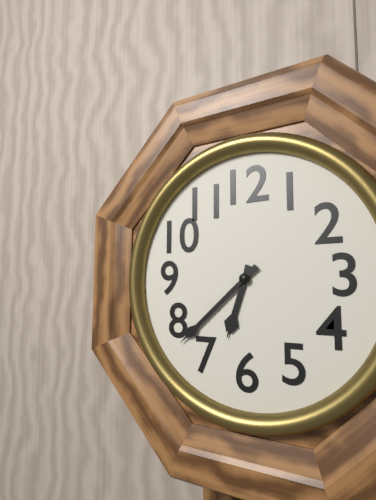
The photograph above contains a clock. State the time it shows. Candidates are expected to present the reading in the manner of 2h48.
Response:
6h38
